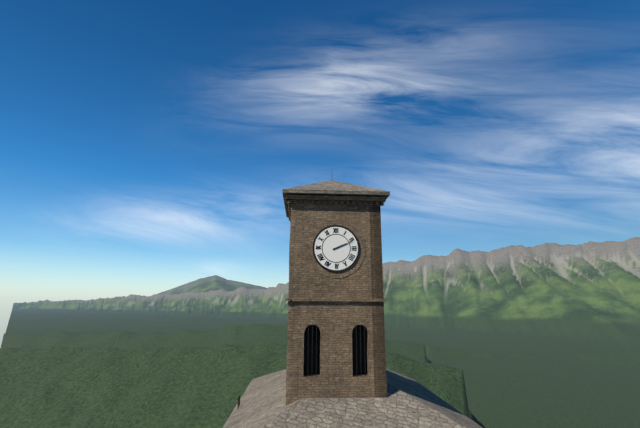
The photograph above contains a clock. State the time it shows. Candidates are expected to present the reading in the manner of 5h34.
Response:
2h11
